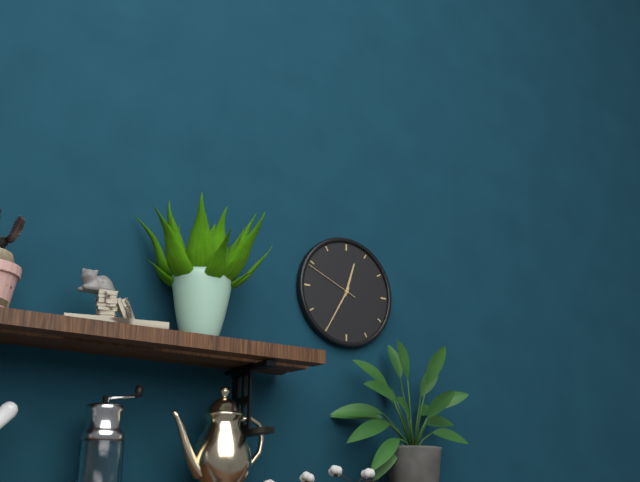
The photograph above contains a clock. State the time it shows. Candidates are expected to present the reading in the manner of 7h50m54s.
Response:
12h35m49s
